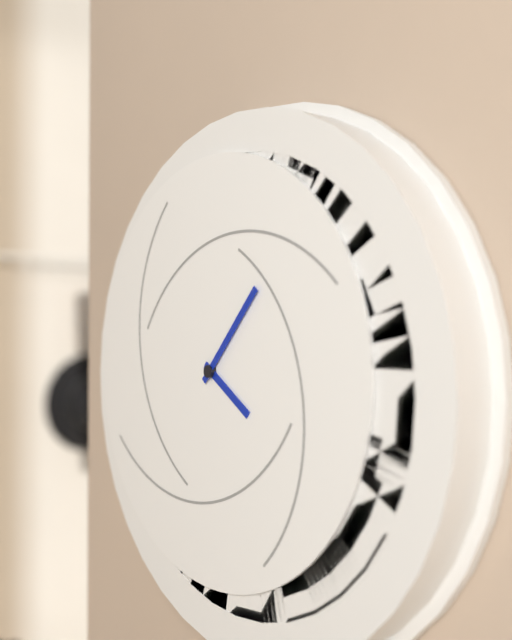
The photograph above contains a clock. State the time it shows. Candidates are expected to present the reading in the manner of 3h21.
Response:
4h07
